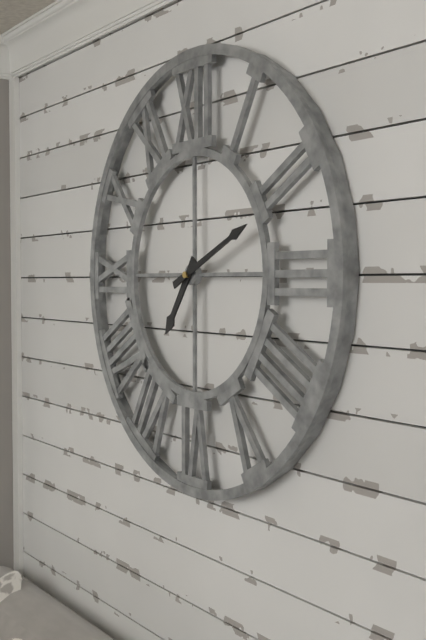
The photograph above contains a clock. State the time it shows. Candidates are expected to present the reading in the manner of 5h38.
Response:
7h11
